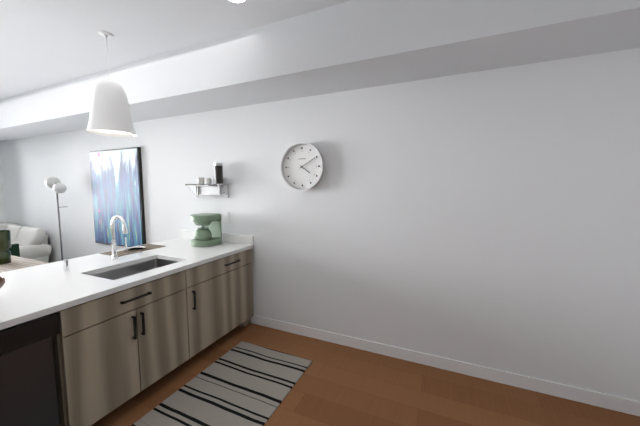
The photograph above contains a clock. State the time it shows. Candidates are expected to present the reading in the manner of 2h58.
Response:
4h10
